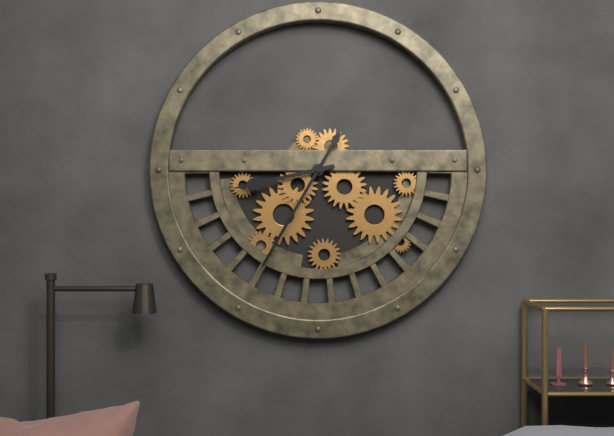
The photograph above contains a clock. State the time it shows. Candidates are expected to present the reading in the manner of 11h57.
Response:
8h35
